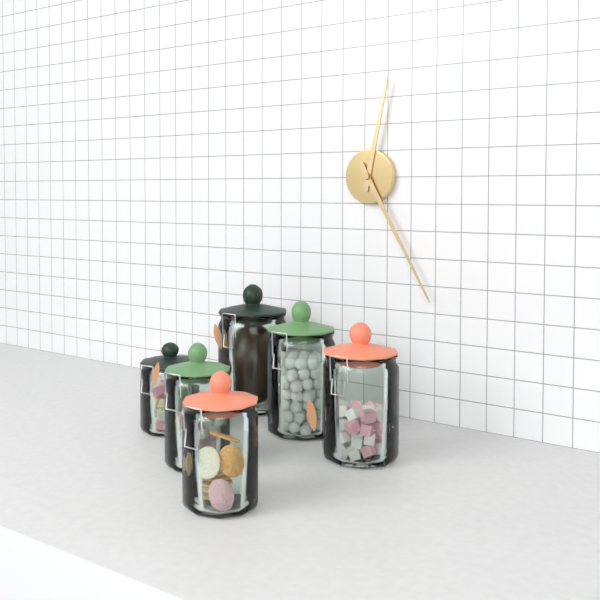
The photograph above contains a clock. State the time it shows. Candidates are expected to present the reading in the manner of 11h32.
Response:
12h25
